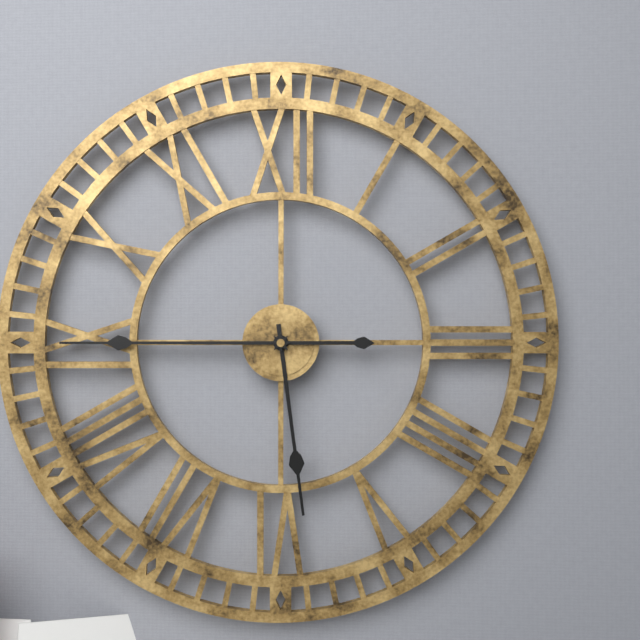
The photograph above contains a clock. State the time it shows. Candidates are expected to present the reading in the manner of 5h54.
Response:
5h45
